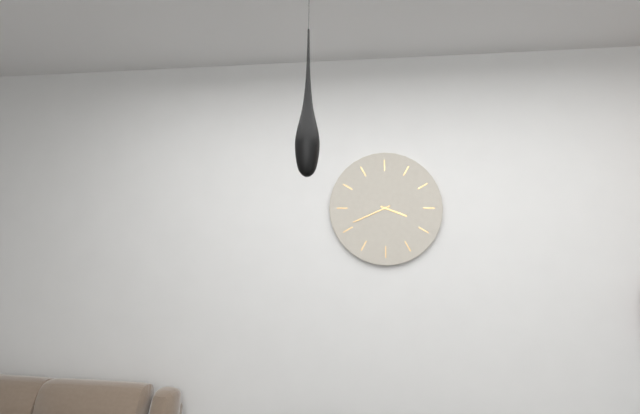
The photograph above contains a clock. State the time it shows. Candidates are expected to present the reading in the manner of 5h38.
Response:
3h41
